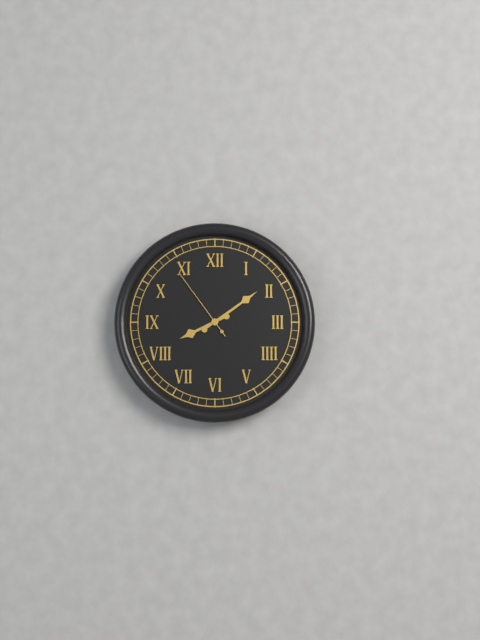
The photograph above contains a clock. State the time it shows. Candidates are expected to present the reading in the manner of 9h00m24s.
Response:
8h09m54s
